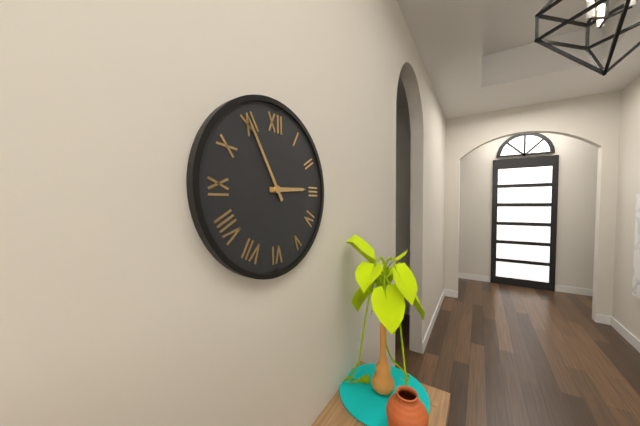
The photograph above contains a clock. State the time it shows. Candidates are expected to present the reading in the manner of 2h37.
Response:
2h55
